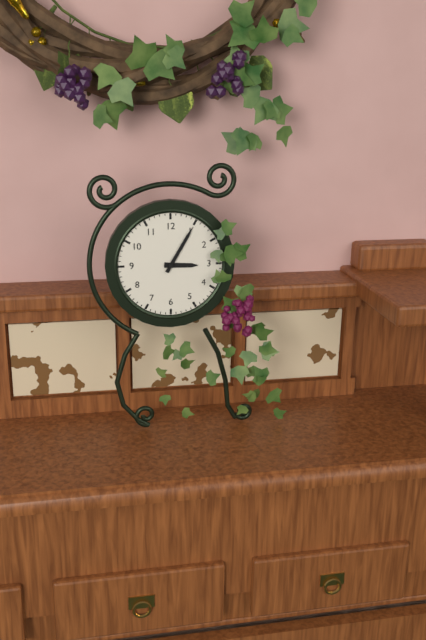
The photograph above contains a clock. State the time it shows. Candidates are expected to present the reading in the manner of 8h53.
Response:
3h05
